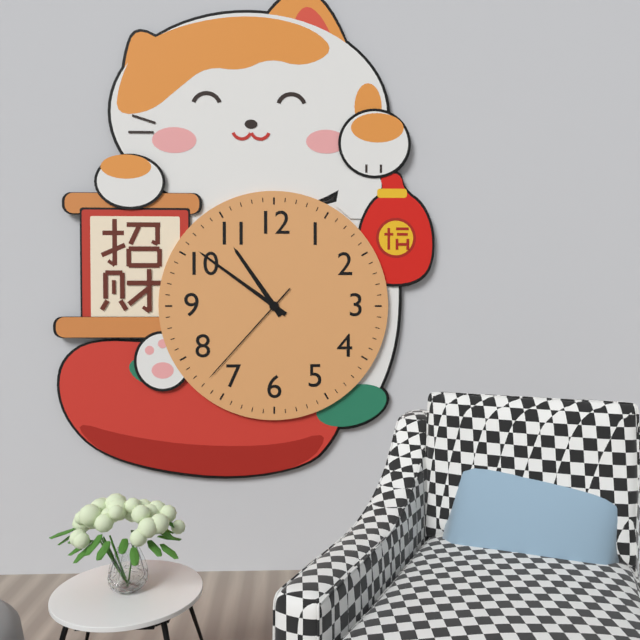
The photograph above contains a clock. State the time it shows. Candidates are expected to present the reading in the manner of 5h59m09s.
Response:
10h51m37s
